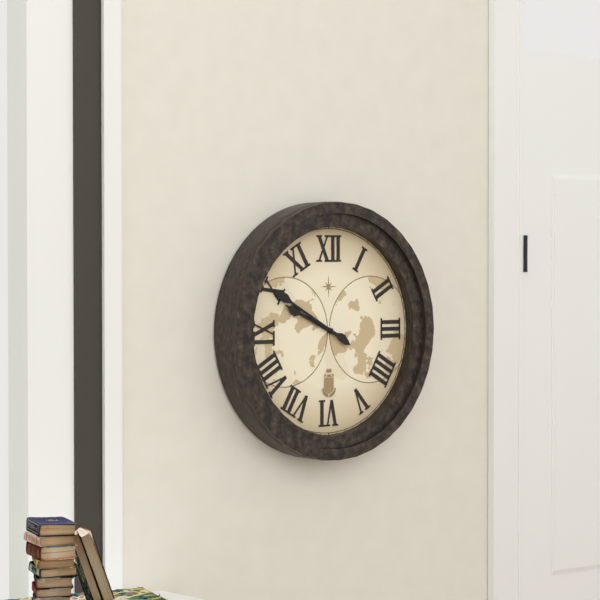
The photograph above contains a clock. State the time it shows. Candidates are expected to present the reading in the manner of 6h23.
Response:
9h50
